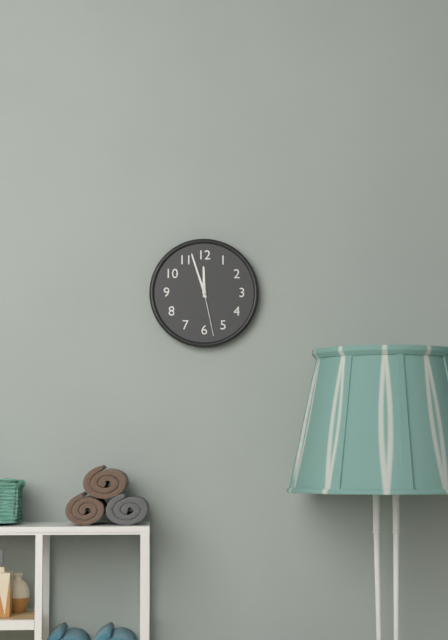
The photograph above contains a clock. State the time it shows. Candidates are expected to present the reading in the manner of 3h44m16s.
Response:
11h57m28s
